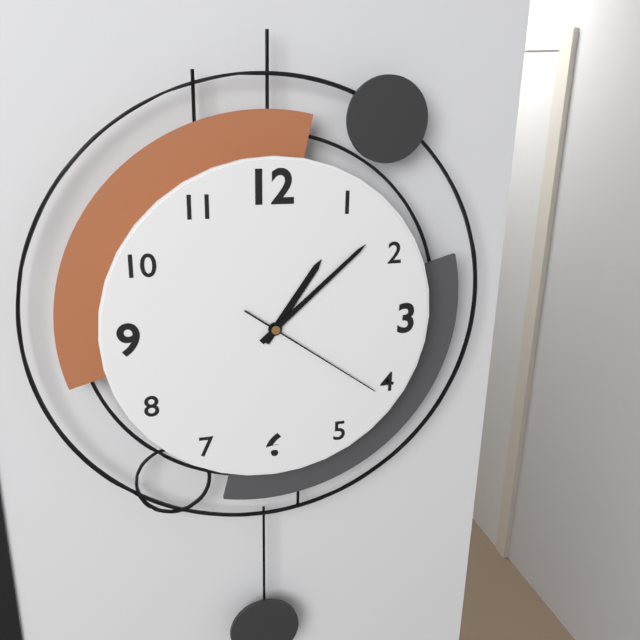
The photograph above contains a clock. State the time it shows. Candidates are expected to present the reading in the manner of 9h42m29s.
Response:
1h08m21s
